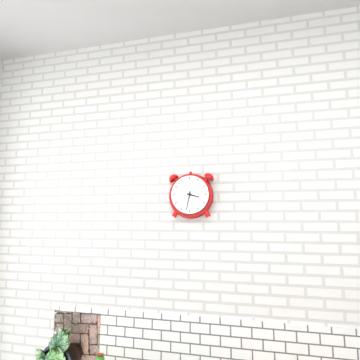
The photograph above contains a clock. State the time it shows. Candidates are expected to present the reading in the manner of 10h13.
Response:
3h32
